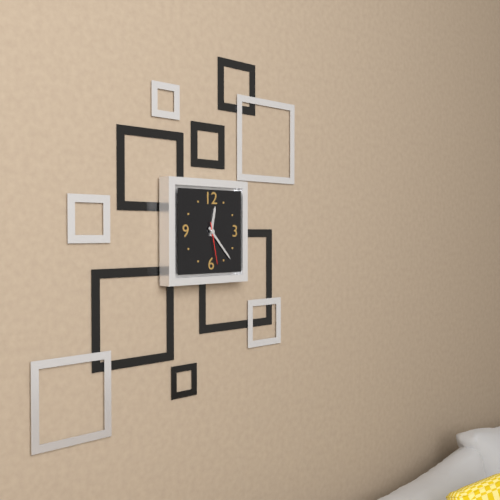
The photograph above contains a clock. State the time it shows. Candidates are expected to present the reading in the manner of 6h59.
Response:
12h23
